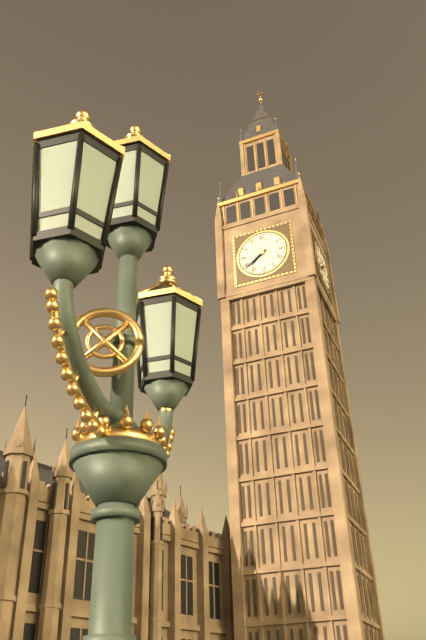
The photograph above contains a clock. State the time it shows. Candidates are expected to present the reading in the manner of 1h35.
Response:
7h39
